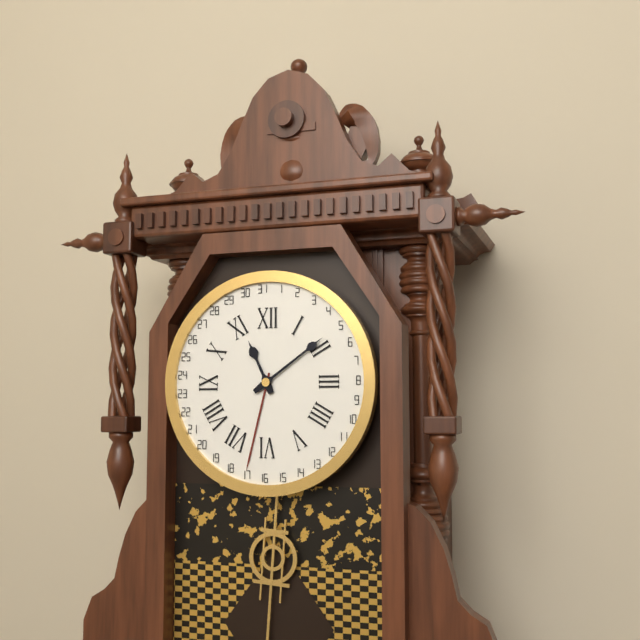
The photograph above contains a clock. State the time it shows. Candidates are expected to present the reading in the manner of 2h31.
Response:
11h09
